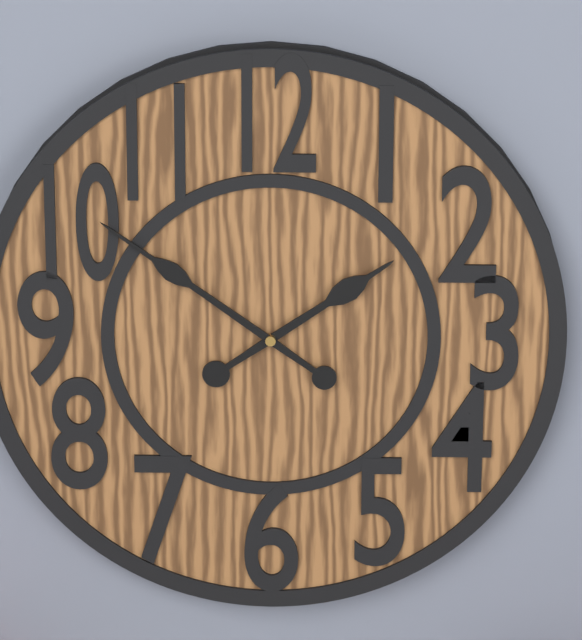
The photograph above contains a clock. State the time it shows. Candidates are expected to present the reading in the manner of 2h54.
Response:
1h51
